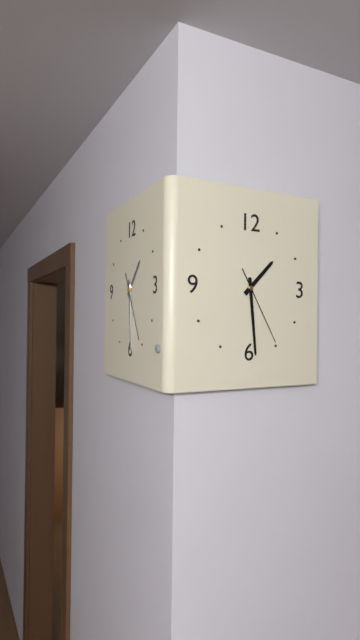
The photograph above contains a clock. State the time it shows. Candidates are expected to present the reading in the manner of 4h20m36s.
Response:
1h29m25s
